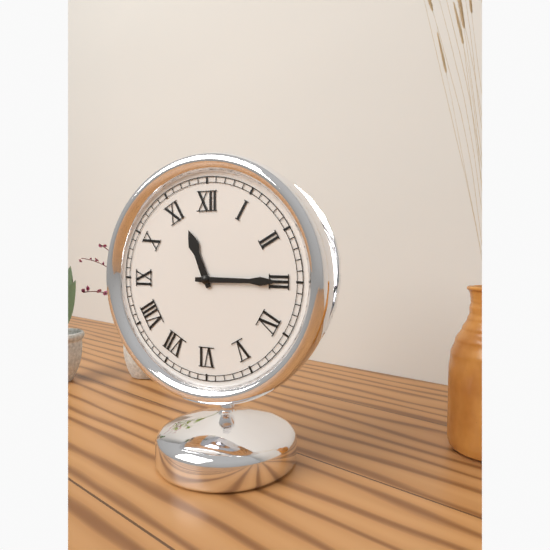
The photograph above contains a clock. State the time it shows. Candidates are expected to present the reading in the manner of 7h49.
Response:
11h15
